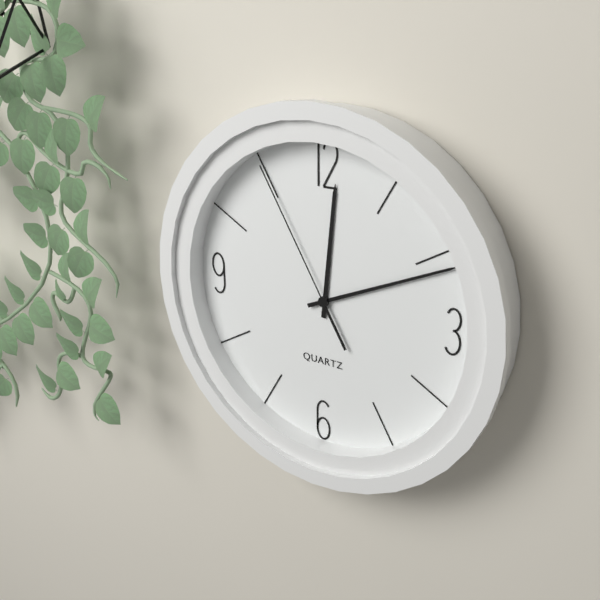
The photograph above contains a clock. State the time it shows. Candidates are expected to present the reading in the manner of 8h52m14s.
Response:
12h11m55s
